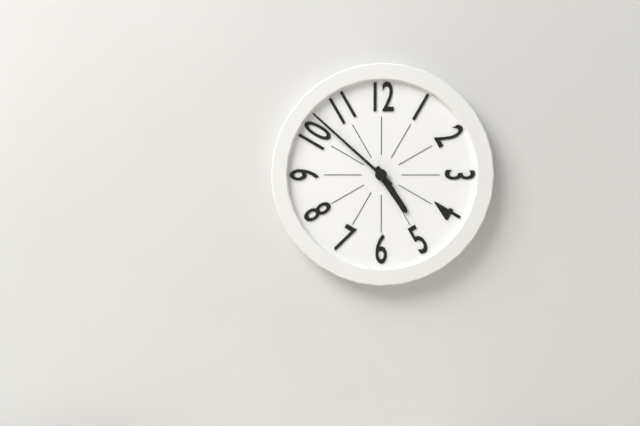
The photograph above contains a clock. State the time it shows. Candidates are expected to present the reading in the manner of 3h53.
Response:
4h52
